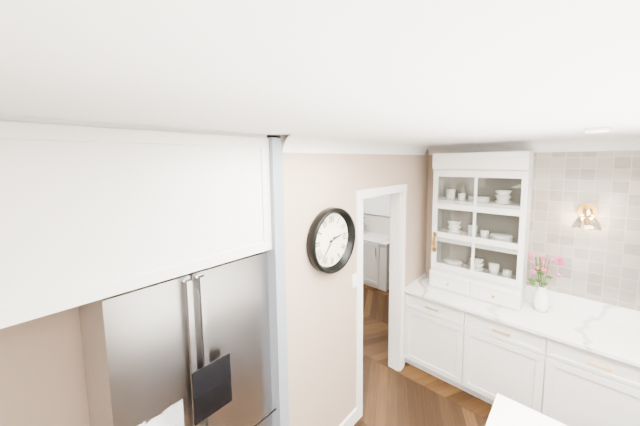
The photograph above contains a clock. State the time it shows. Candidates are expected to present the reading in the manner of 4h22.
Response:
2h37
